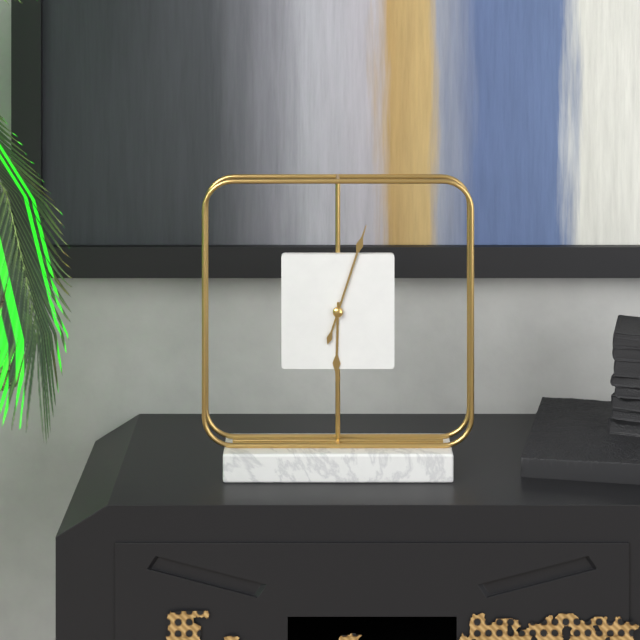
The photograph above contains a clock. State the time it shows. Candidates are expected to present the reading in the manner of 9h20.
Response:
6h03
